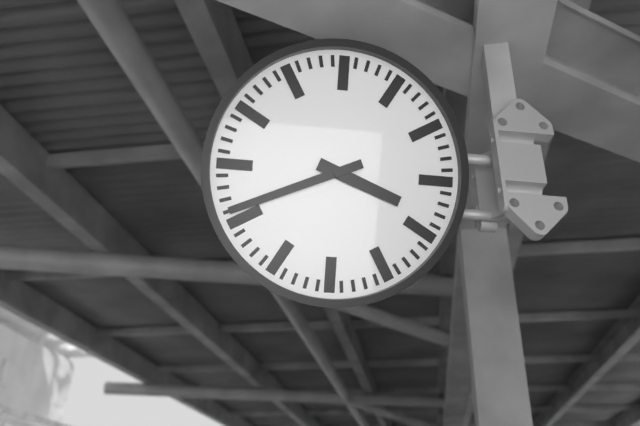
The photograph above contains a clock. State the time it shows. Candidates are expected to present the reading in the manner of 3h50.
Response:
3h41
